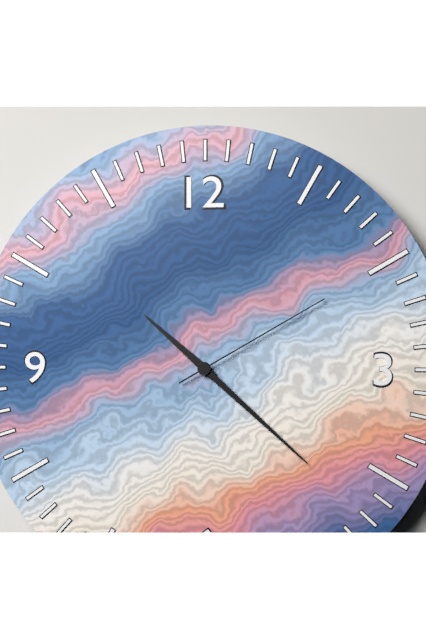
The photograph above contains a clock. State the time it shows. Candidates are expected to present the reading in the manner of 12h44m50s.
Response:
10h22m10s
